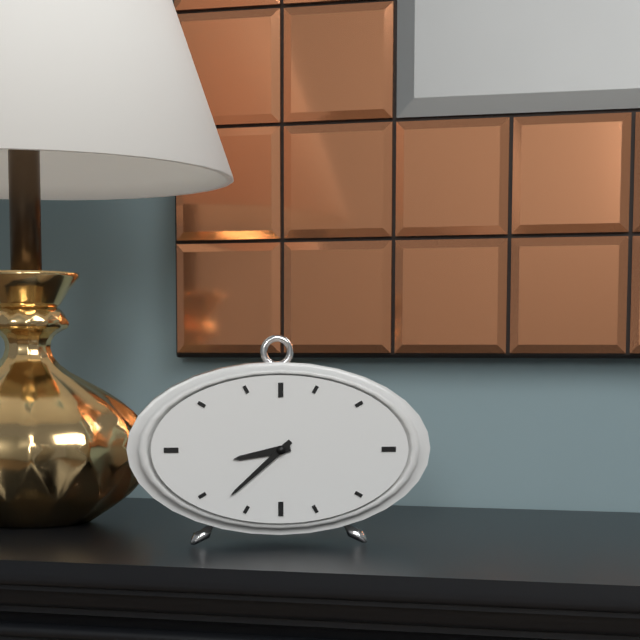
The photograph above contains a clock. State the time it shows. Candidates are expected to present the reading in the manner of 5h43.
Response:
8h38
